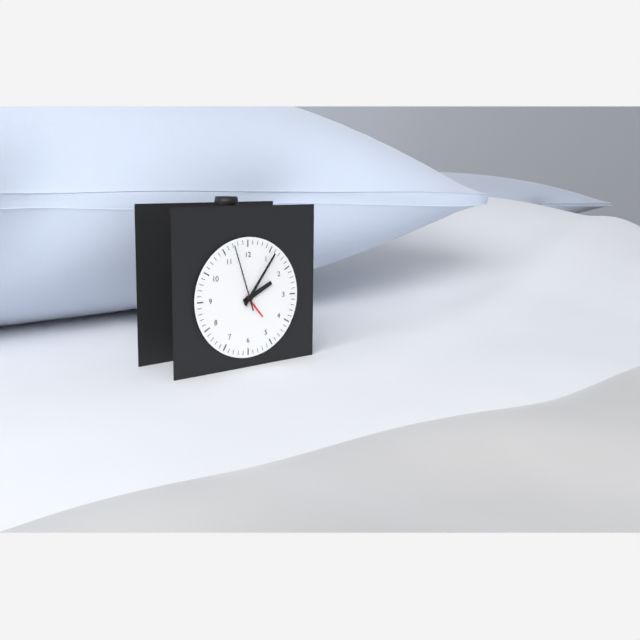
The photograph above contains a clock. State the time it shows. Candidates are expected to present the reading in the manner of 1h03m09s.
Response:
2h06m57s
